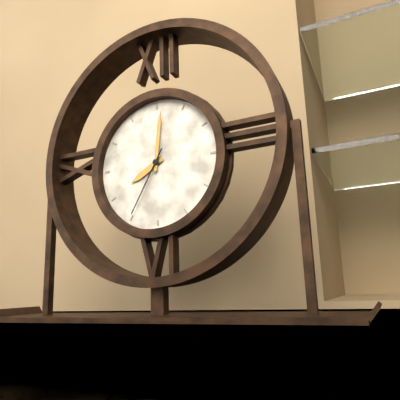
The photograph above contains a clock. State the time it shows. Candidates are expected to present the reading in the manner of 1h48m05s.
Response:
8h01m35s
